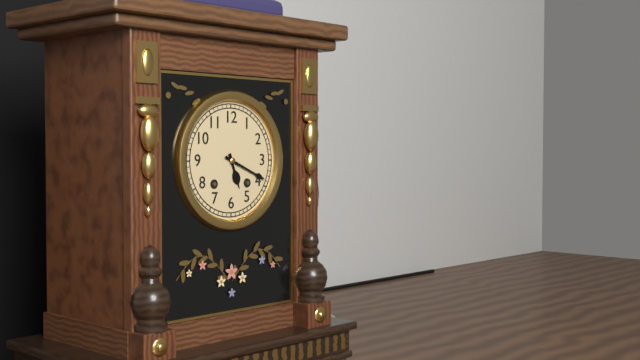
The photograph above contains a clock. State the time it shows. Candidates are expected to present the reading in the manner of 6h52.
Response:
5h19
